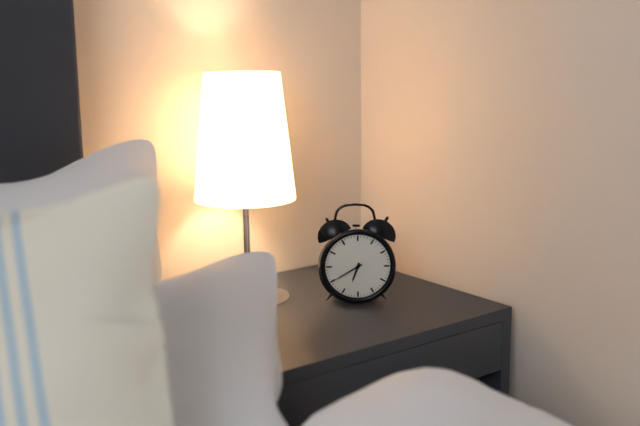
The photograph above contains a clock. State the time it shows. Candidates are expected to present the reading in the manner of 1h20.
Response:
6h40
